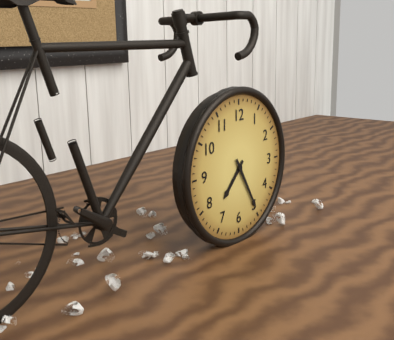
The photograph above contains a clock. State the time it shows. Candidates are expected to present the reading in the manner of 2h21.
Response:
7h25
